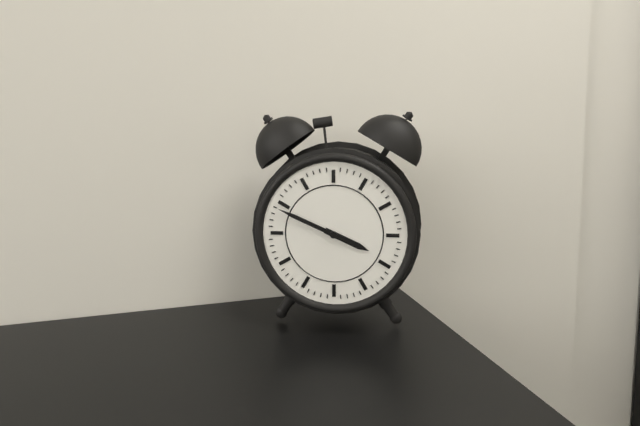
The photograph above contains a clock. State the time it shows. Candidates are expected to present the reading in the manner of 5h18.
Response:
3h49
